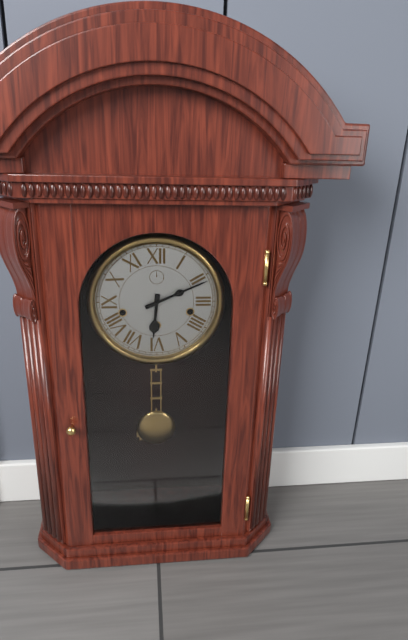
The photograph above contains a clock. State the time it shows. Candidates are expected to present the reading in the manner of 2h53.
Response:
6h11
